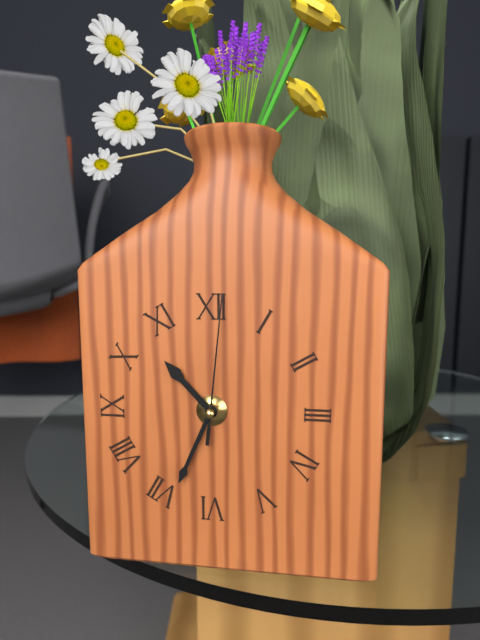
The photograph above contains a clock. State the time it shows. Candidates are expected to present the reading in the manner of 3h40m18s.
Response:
10h34m01s
